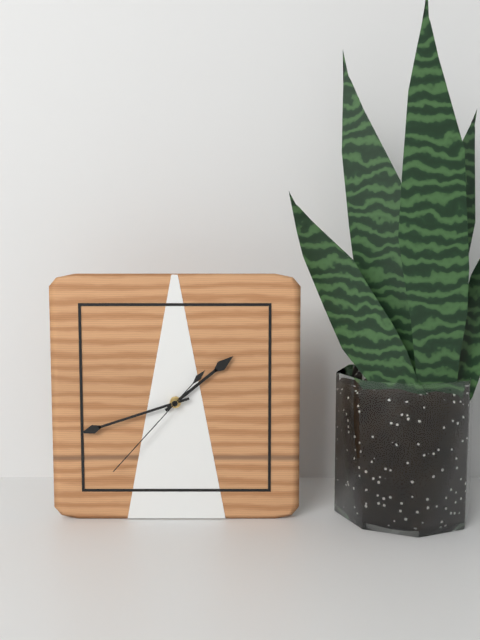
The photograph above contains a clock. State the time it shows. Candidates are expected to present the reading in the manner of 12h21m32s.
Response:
1h42m37s
